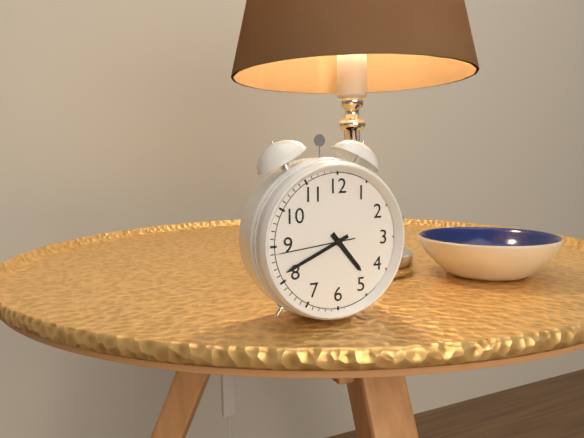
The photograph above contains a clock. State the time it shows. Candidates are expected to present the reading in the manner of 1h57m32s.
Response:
4h41m44s
